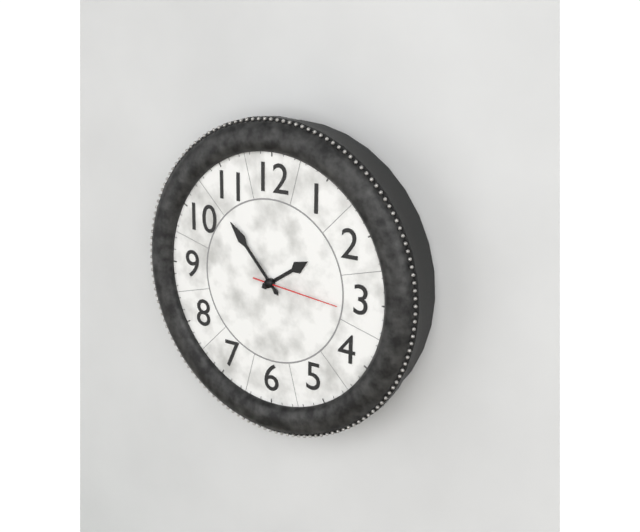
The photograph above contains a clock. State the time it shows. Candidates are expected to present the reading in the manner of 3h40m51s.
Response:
1h53m16s
